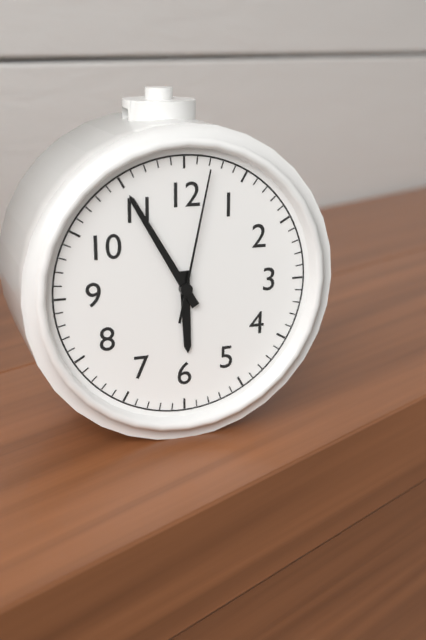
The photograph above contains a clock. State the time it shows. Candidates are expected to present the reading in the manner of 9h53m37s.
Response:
5h55m02s
